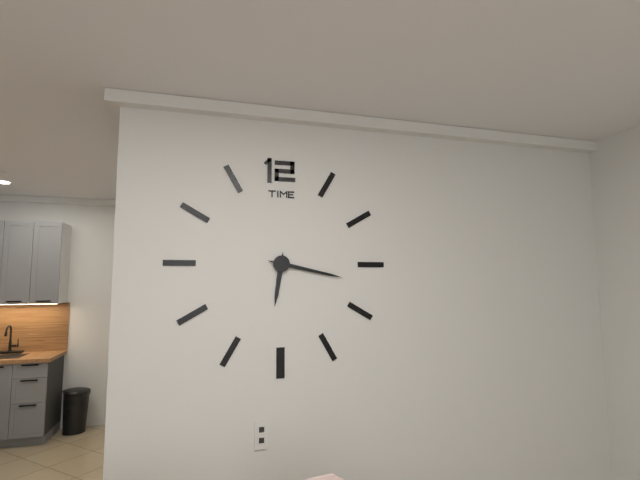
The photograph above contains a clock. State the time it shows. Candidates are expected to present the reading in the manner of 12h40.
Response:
6h17
